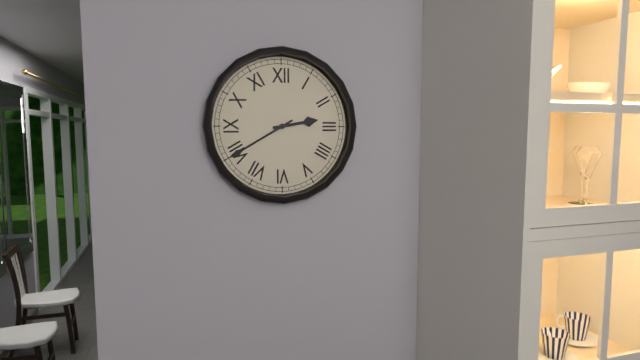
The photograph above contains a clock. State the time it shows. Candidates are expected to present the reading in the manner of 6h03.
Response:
2h40
